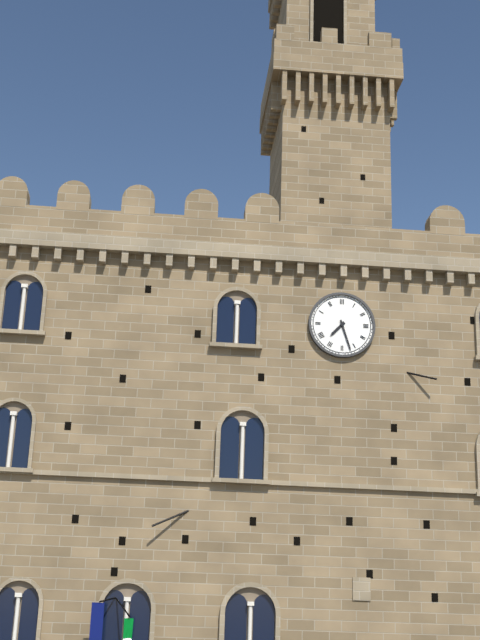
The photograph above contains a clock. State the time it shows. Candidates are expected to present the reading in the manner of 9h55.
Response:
7h27
